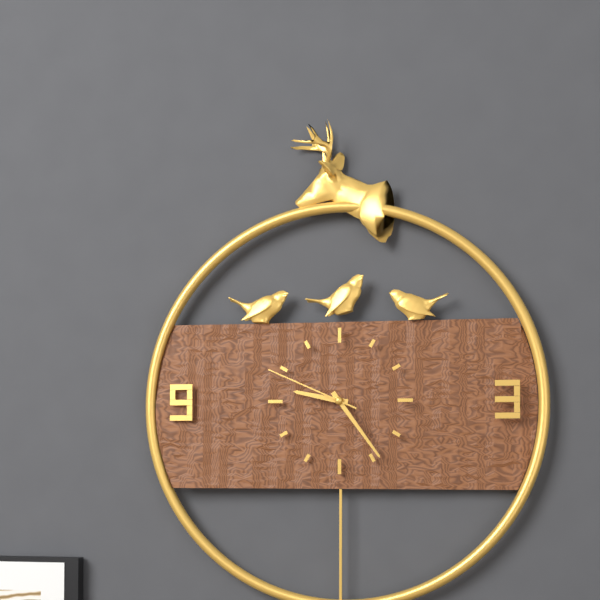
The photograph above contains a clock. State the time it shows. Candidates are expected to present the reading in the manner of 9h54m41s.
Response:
9h24m49s
